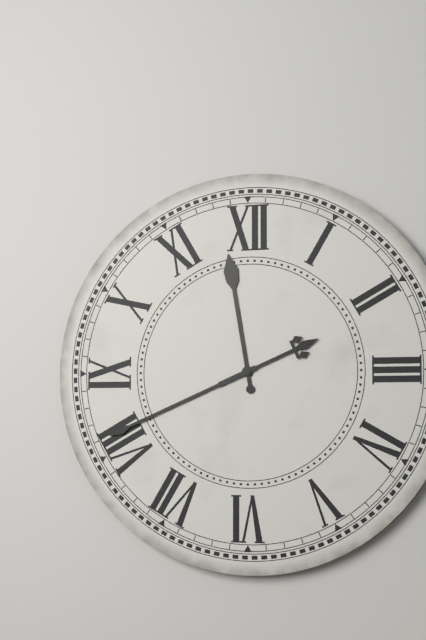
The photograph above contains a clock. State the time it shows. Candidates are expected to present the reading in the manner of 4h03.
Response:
11h41
